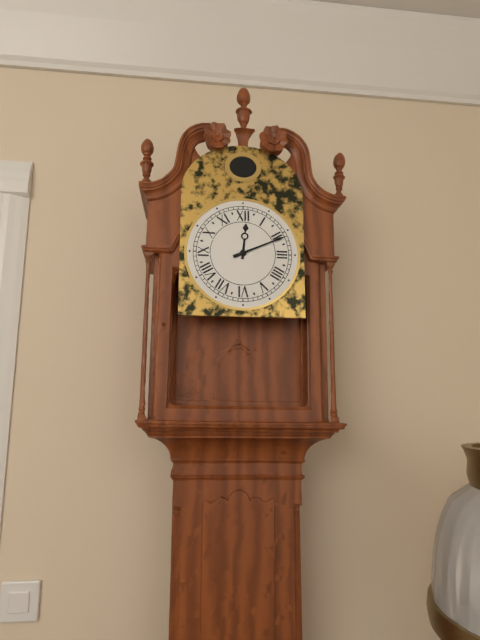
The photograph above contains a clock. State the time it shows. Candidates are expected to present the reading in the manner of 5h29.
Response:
12h11
